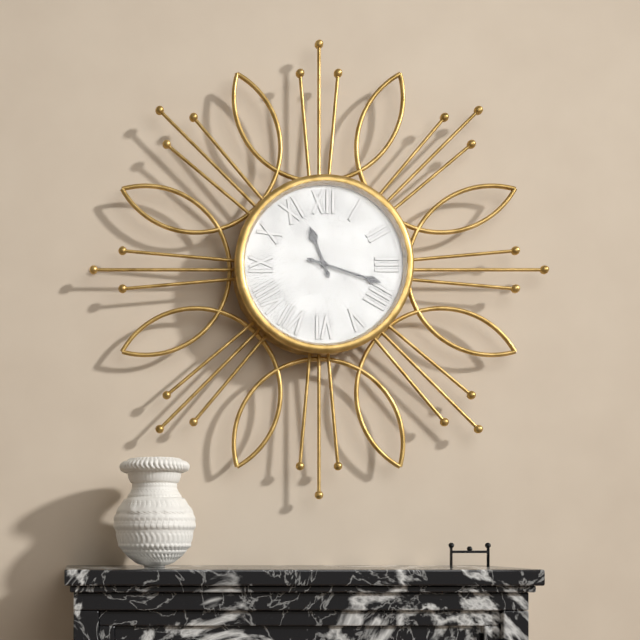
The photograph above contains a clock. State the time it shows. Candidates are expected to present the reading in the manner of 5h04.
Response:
11h18
